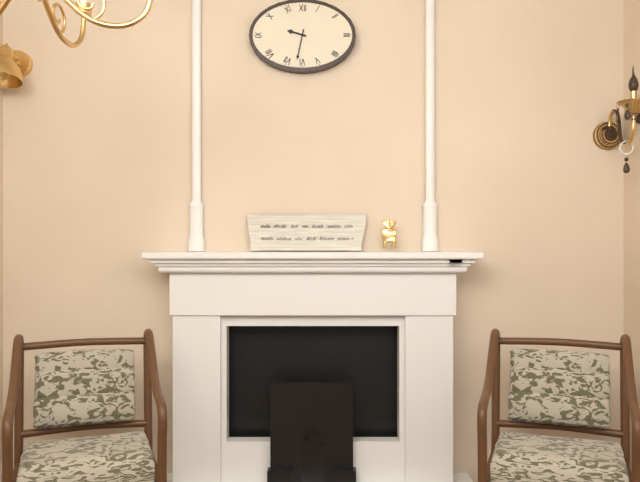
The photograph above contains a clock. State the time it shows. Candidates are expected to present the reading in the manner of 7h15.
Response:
9h32
